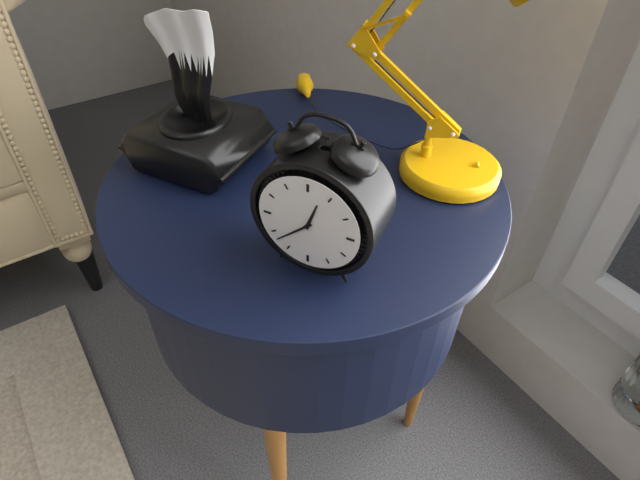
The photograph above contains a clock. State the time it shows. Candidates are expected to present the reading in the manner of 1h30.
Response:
12h38
